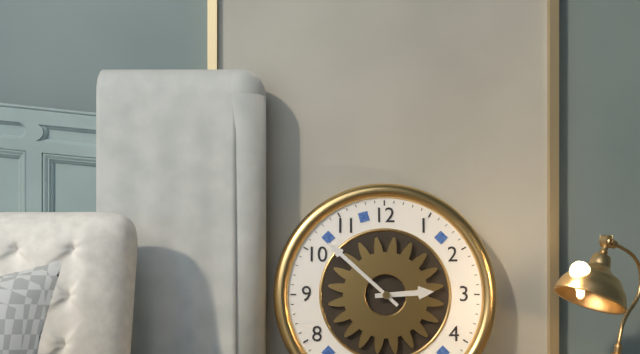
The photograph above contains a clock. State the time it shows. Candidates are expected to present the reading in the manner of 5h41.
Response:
2h52
